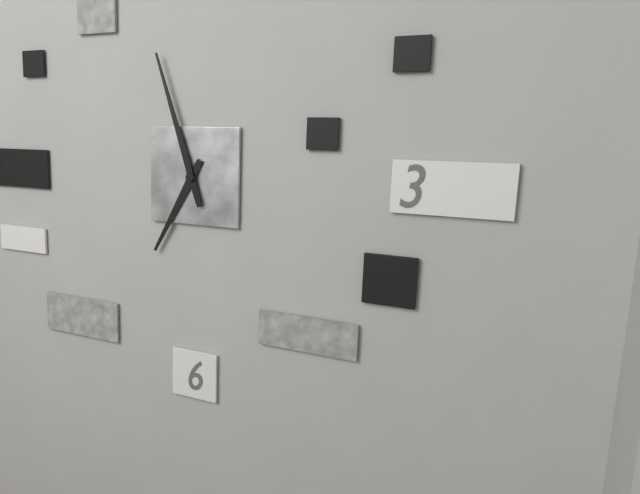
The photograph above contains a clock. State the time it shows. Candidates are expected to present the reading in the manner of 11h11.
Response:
6h57
